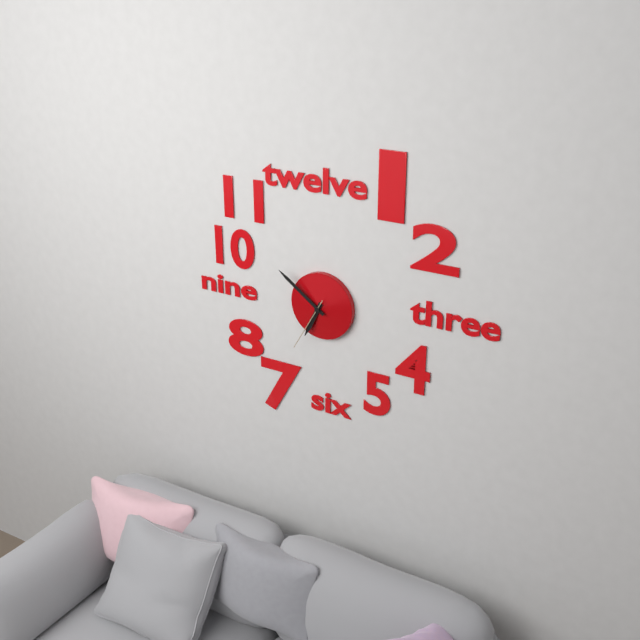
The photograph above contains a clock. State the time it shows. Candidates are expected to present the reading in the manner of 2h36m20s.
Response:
6h51m35s
